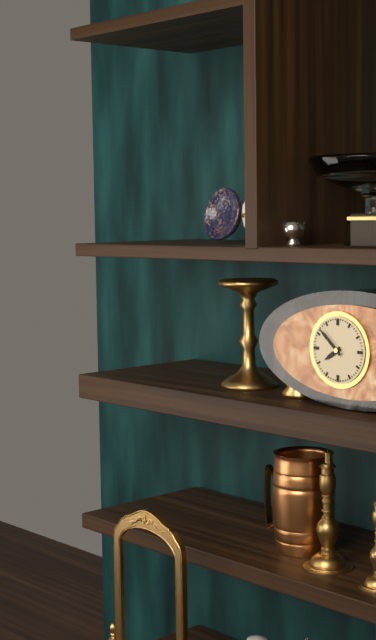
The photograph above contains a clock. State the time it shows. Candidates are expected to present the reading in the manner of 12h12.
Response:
7h52
